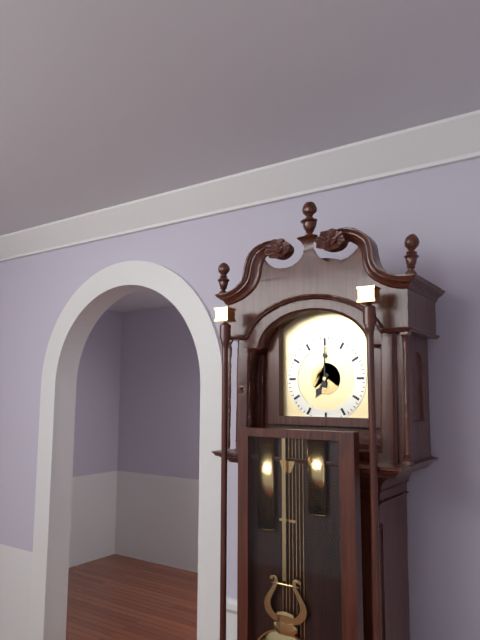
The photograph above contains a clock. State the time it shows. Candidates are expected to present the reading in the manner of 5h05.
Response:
7h00
